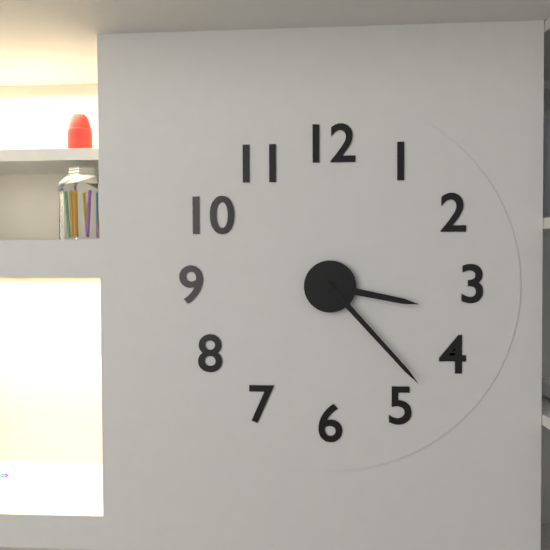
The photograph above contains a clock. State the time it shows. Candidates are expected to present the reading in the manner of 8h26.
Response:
3h23
